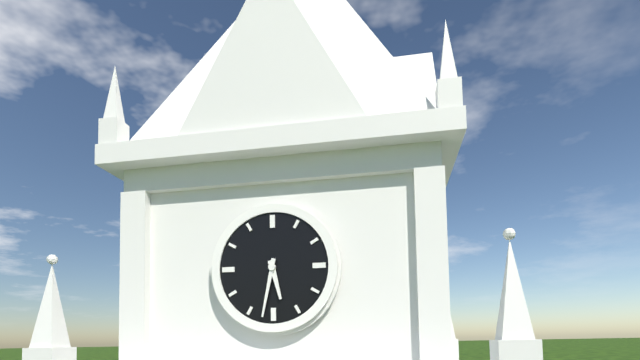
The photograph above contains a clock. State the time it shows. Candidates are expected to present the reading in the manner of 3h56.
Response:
5h32
